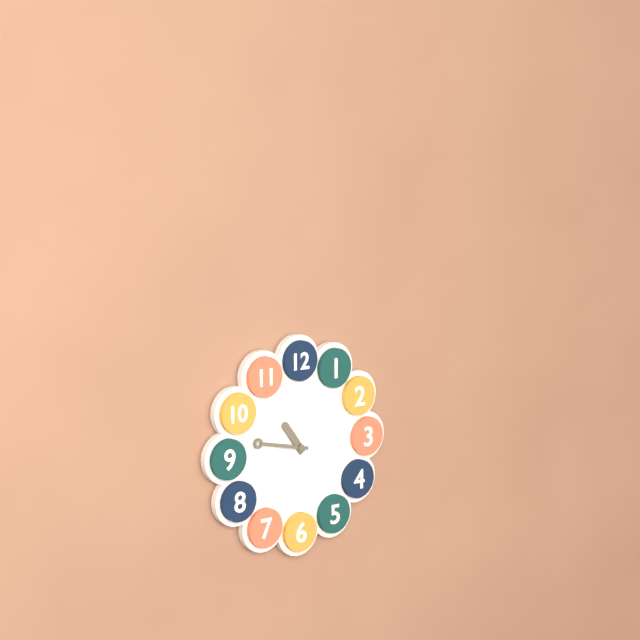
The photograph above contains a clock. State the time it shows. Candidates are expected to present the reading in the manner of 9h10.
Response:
10h47
